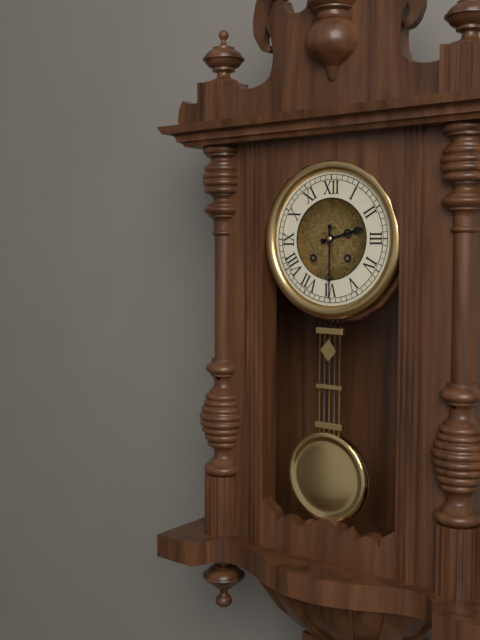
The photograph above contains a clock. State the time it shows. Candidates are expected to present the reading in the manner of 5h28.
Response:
2h30
